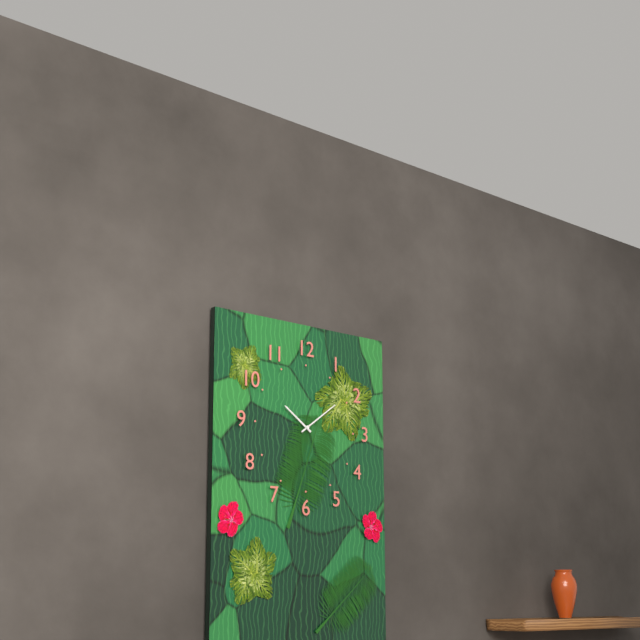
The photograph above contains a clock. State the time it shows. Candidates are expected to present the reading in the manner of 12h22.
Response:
10h09
